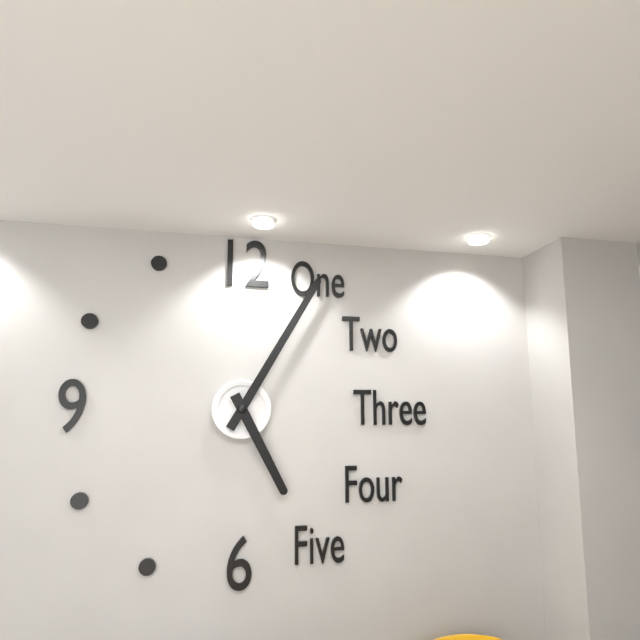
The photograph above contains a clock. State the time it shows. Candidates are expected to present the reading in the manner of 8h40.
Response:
5h05
